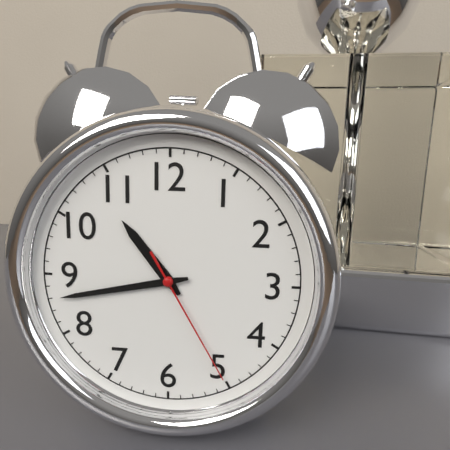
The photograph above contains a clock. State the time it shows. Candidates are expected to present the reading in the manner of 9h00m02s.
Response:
10h43m25s
